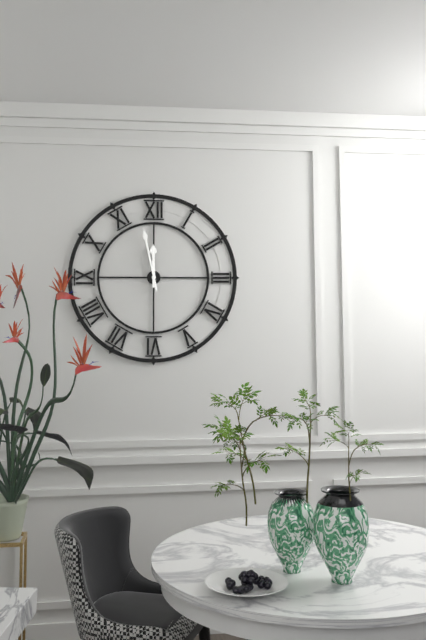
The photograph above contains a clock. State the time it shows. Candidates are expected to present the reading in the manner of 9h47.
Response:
11h58
